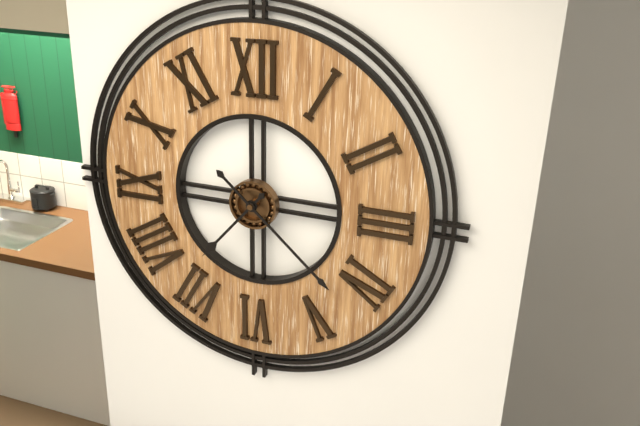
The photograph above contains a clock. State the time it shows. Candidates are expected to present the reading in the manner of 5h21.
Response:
7h22
